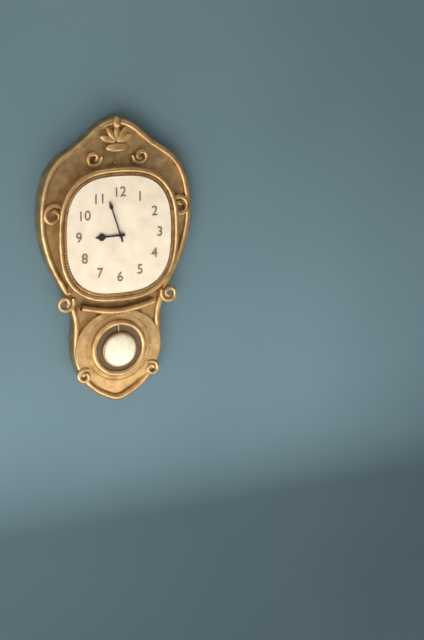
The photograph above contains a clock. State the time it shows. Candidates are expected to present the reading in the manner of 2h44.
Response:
8h57
